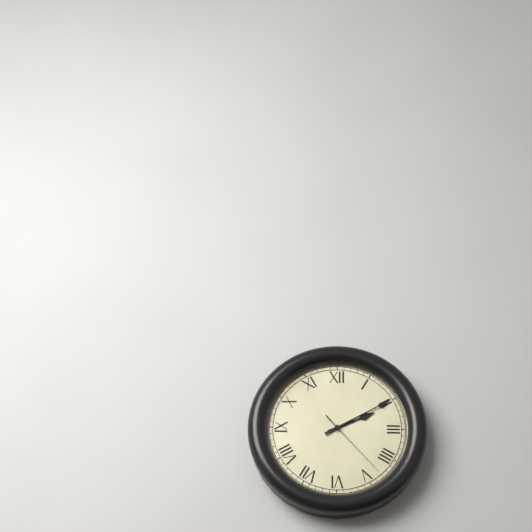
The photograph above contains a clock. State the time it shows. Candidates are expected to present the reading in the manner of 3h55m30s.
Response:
2h10m23s
